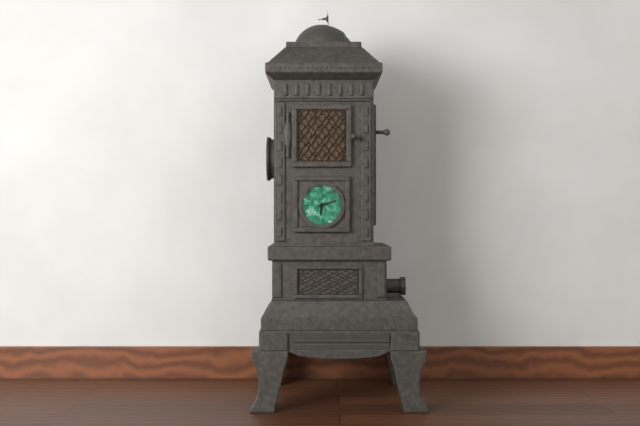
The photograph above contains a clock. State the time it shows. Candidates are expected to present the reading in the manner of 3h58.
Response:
6h12
